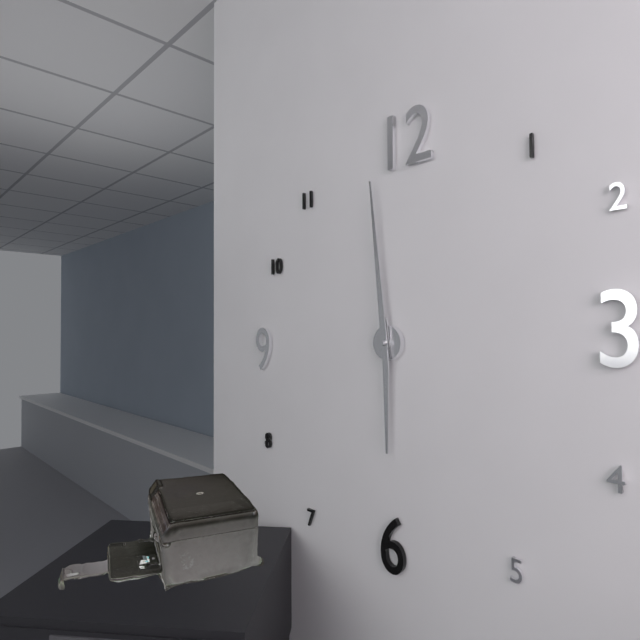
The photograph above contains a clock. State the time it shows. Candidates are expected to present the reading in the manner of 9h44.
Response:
5h59
